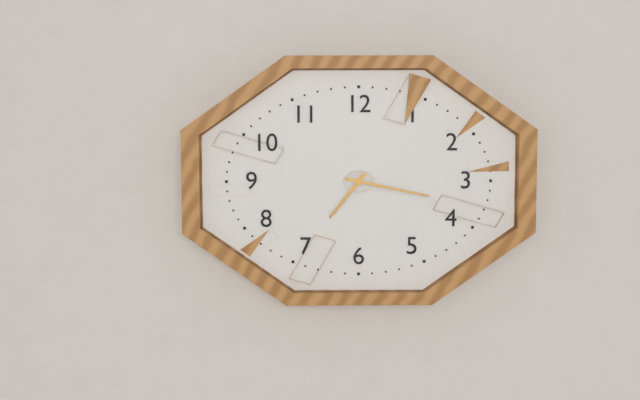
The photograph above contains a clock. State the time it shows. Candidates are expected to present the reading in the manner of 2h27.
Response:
7h17
